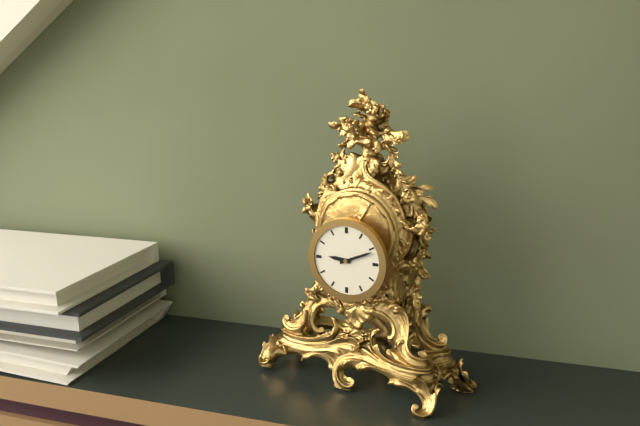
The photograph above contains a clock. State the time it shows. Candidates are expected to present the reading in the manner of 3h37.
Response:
9h11
